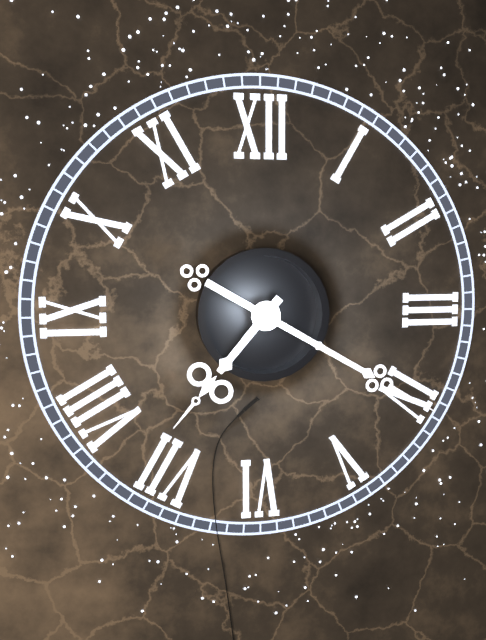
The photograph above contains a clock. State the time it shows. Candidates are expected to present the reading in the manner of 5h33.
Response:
7h20
